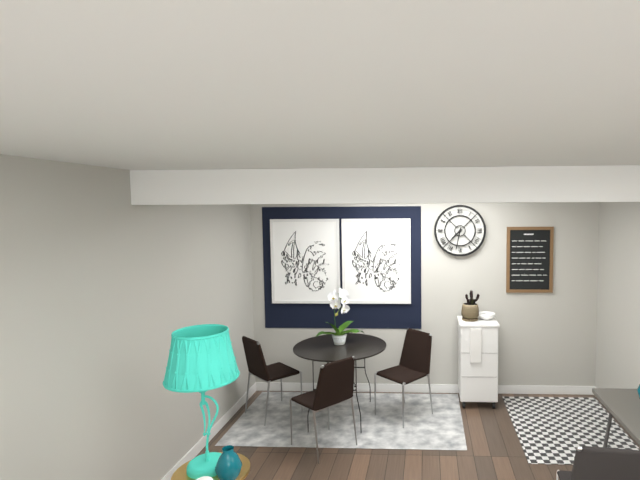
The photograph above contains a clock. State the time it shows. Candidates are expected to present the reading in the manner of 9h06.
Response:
7h32
